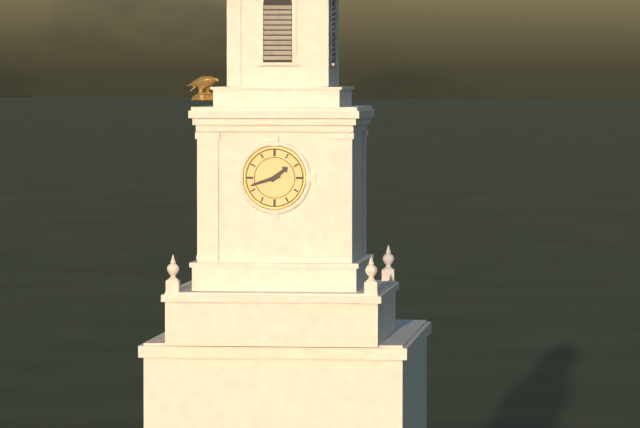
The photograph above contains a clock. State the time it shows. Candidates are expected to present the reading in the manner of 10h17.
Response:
1h42
